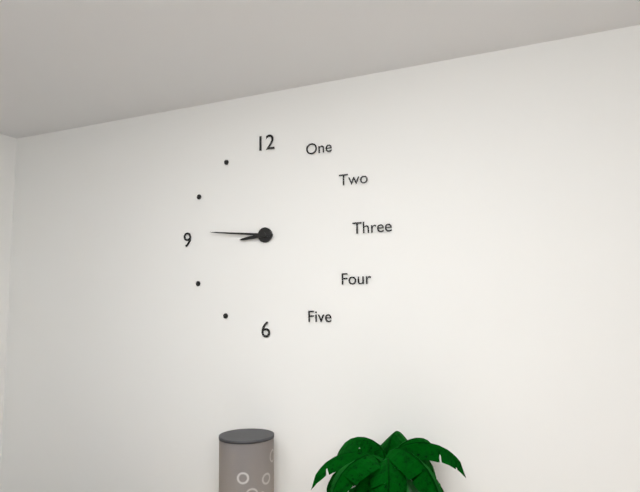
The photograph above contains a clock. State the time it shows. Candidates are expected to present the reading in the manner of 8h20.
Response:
8h46
